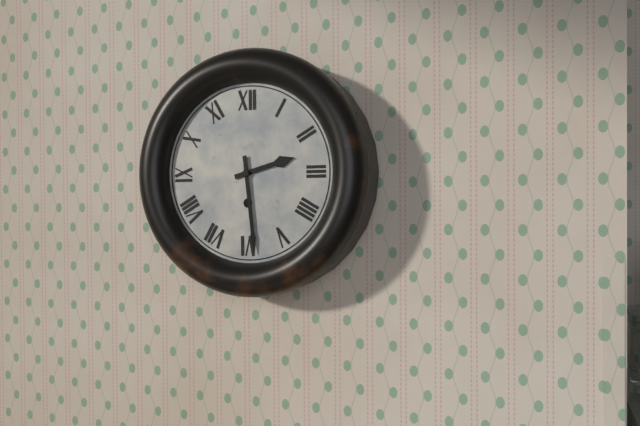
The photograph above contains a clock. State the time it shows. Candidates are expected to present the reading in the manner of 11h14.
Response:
2h29
